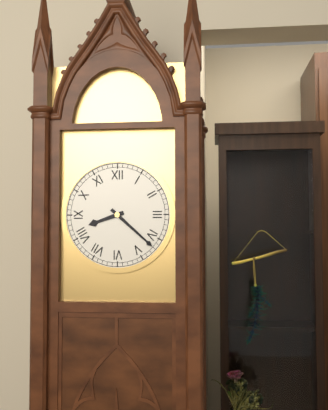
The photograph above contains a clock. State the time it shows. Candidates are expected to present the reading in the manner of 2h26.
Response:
8h22
